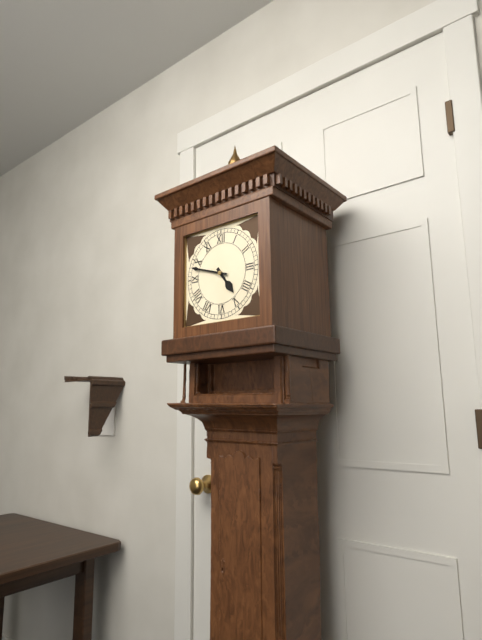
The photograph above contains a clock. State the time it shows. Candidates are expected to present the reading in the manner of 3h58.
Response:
4h48
